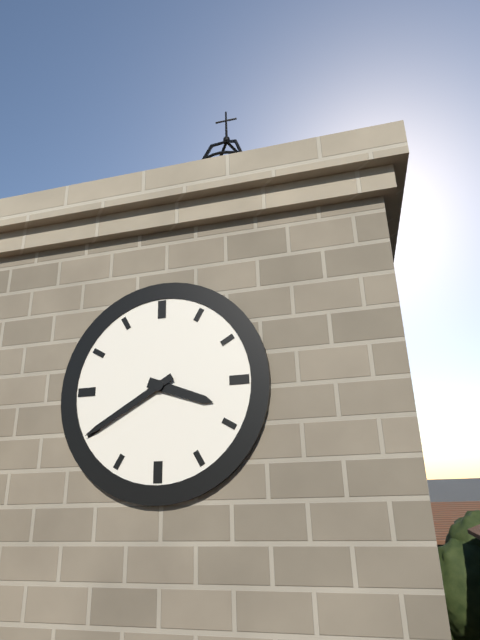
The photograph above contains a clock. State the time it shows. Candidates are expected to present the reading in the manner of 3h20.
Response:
3h40
